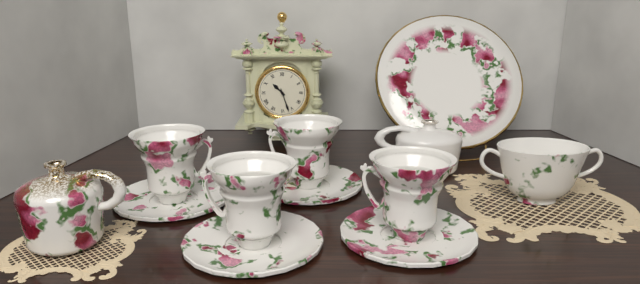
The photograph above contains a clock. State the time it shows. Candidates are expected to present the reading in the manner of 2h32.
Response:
10h27
